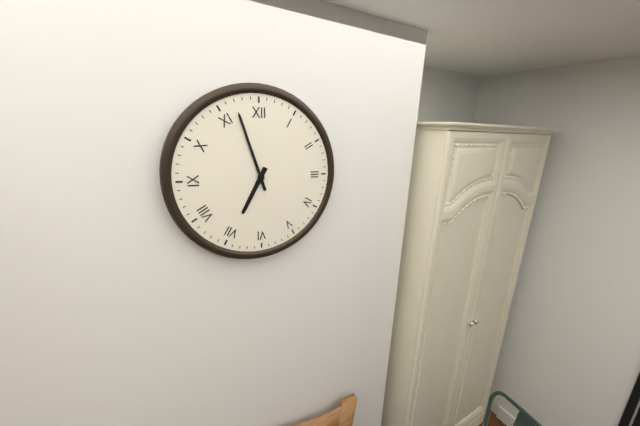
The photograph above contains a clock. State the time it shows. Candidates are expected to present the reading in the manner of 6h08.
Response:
6h57
